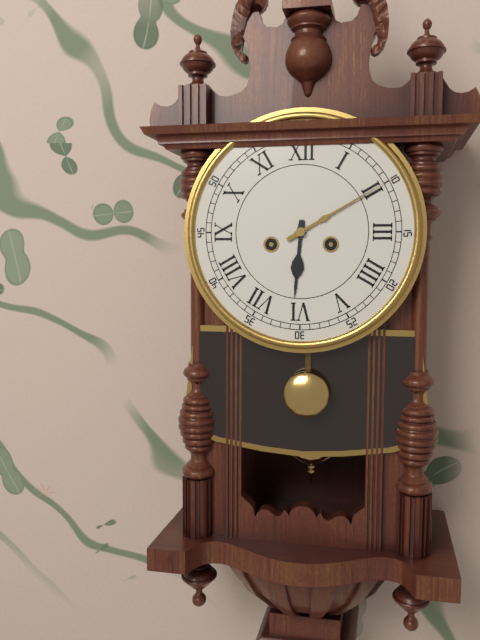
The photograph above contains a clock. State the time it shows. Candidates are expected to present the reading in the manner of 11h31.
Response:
6h10
